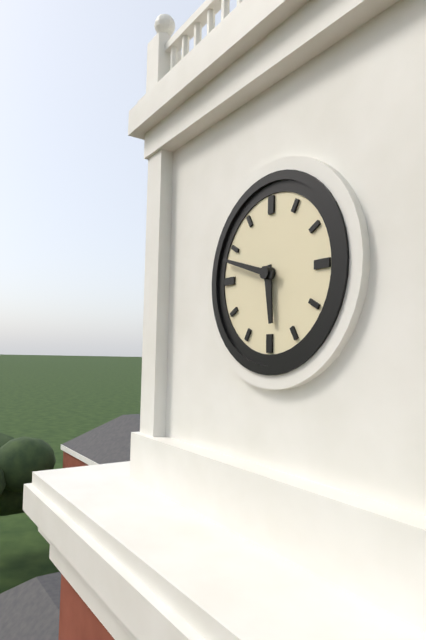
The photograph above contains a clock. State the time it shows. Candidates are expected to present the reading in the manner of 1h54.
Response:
5h48
